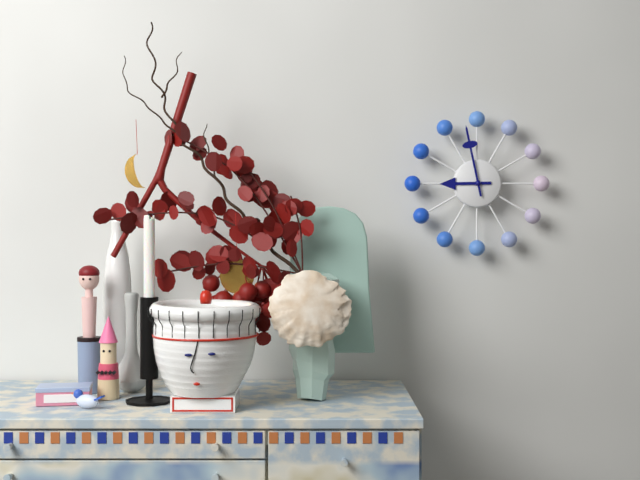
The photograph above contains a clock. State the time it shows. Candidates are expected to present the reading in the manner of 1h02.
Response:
8h58
